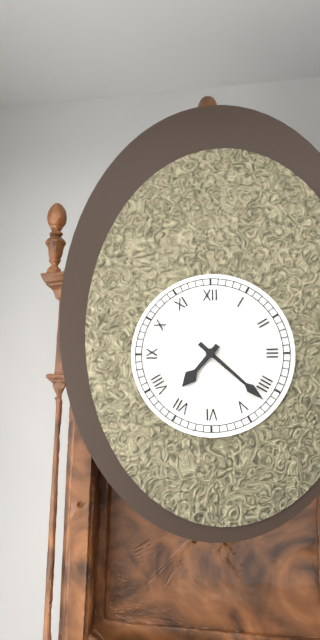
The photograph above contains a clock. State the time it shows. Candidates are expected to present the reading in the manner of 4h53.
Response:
7h22
